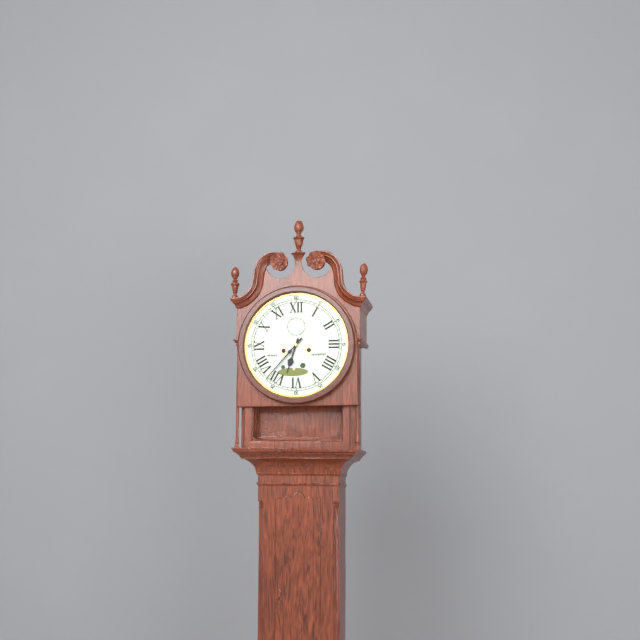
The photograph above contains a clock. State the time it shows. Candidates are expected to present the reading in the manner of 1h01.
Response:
6h37
